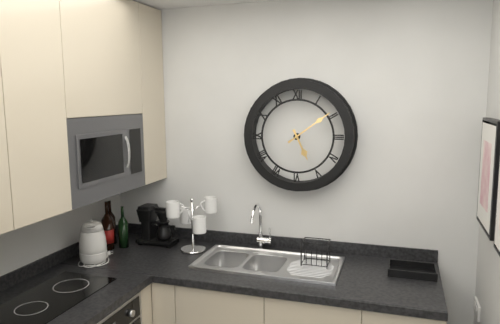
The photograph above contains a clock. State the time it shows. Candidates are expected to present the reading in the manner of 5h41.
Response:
5h09
